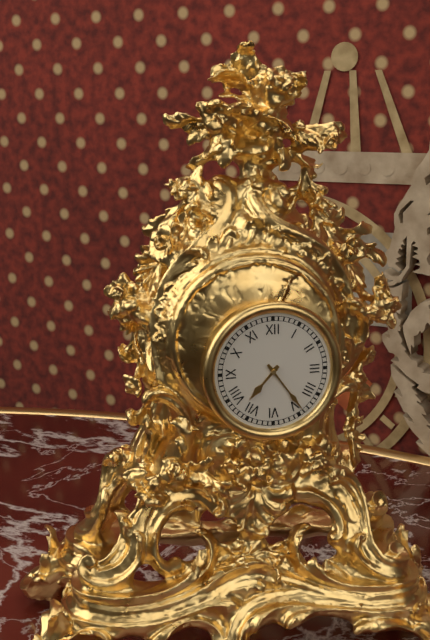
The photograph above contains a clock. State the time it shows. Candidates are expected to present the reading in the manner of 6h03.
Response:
7h24
